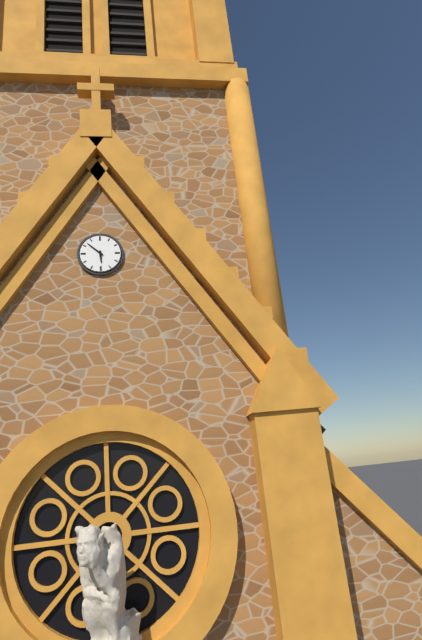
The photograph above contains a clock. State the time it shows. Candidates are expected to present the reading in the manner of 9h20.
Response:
5h52
